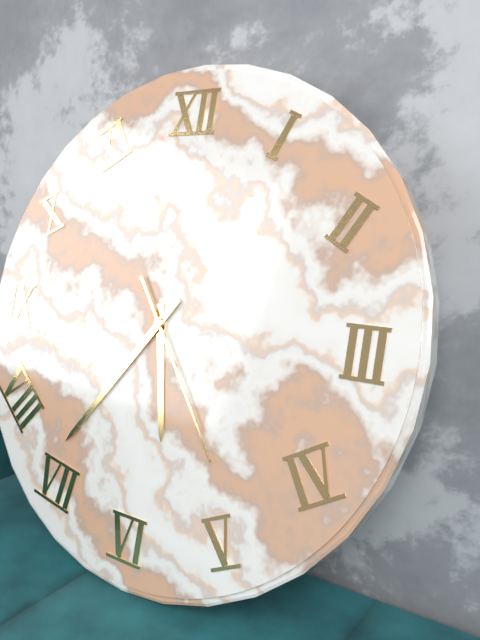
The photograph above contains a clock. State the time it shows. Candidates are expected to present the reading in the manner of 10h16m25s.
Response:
5h36m24s
